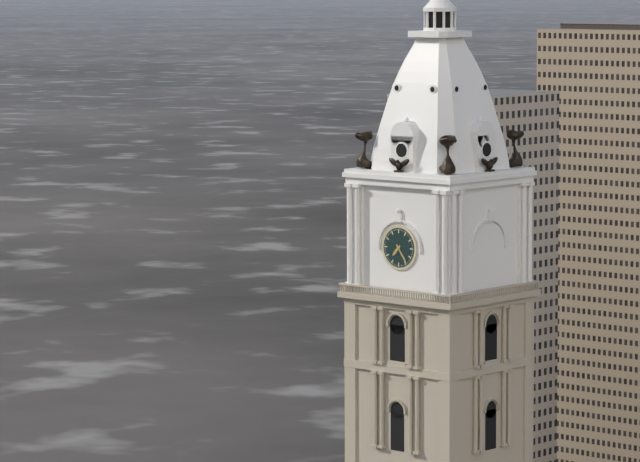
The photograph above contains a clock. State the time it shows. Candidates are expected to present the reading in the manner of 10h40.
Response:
7h24
